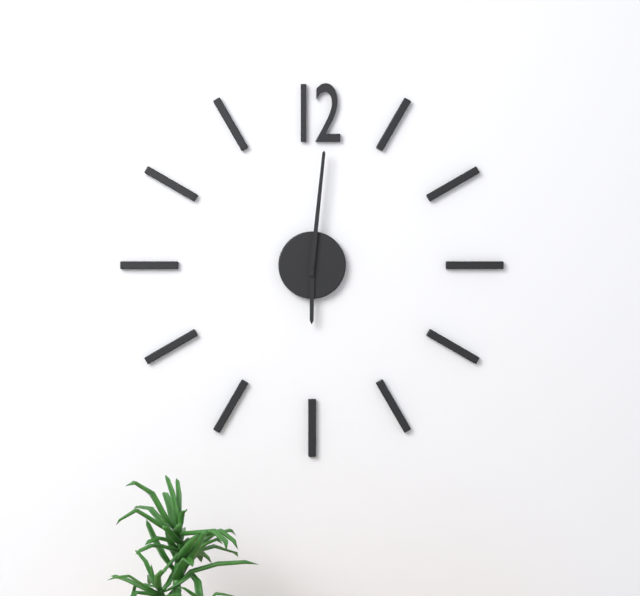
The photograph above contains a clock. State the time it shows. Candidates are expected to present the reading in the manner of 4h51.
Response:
6h01
